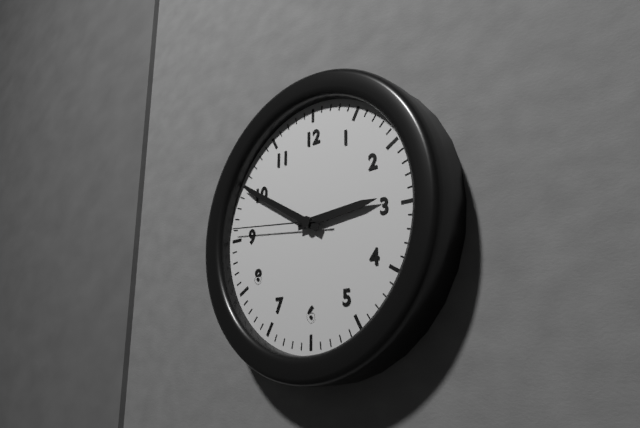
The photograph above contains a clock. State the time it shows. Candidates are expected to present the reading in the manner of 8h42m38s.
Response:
2h50m46s
